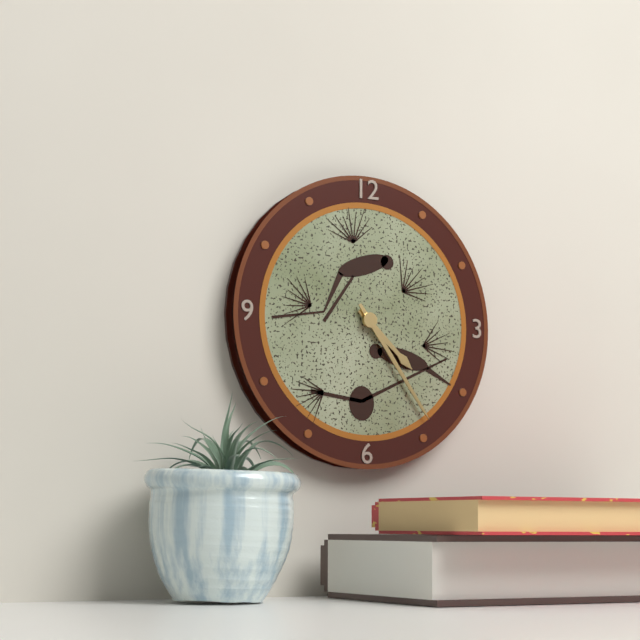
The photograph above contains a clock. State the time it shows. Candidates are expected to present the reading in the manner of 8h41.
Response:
4h24
